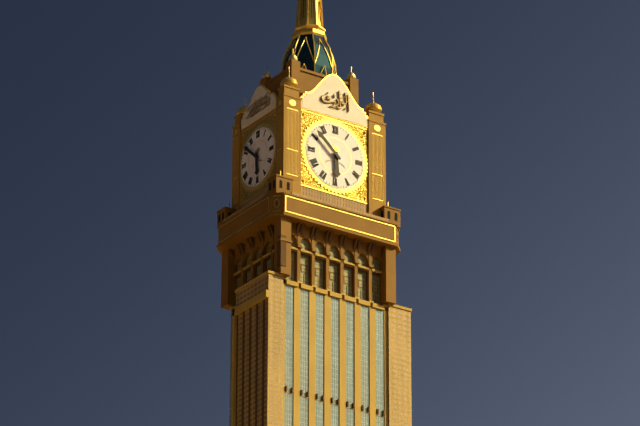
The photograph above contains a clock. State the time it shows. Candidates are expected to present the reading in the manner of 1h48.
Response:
5h52
